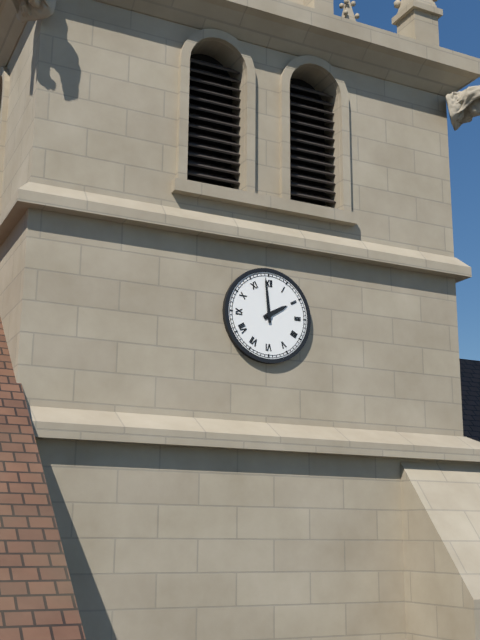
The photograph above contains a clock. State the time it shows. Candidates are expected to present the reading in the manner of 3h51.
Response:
1h59
